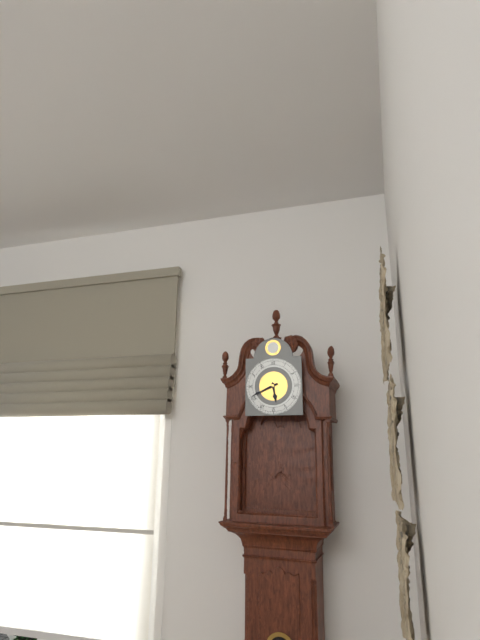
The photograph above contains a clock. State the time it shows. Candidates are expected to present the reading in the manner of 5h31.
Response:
5h41
